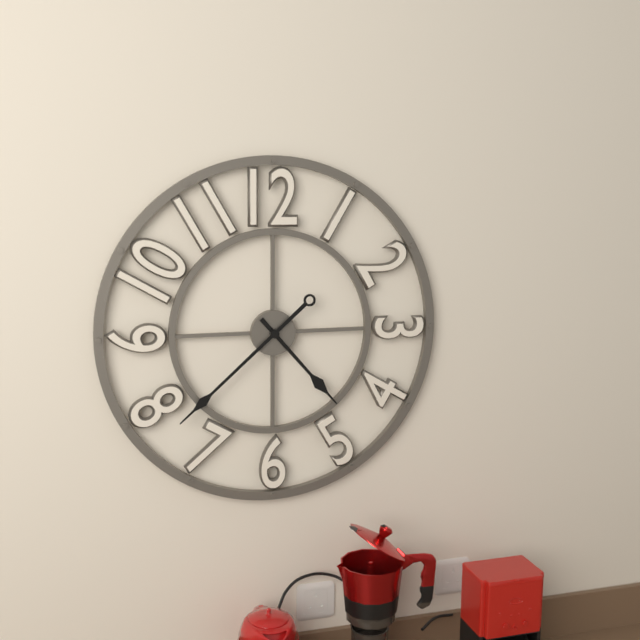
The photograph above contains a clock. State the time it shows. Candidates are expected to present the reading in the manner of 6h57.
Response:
4h38
